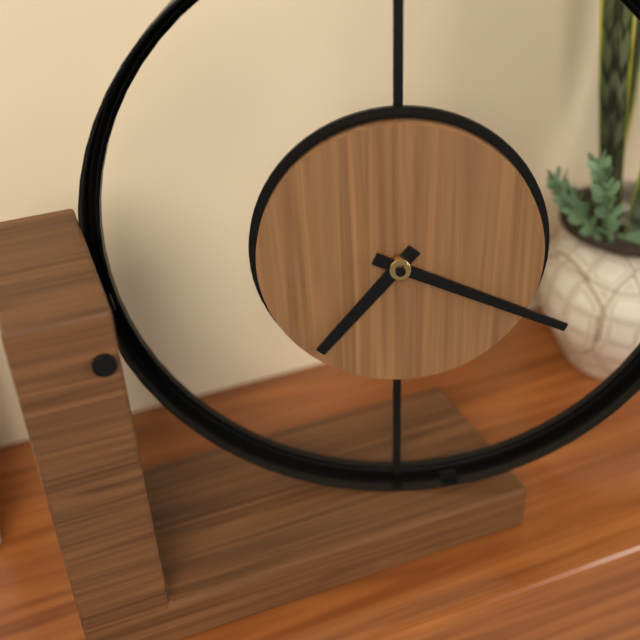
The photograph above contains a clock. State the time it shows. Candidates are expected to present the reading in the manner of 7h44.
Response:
7h19
